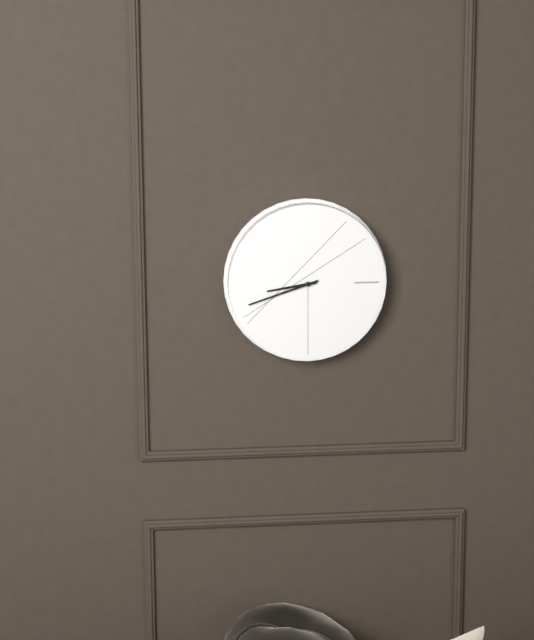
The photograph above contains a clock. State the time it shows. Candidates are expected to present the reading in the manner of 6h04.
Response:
8h42
